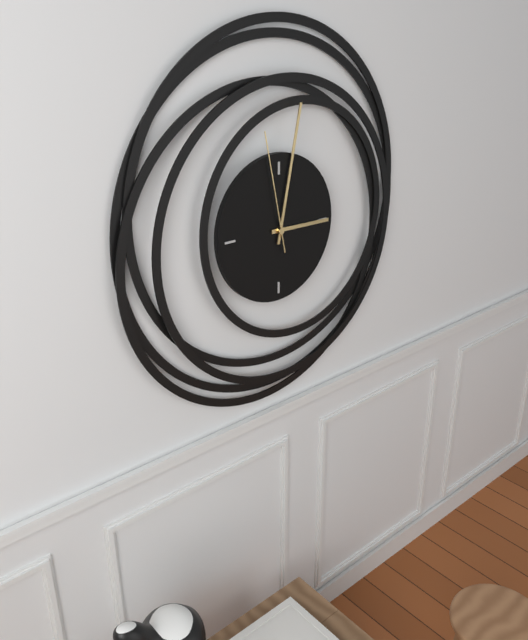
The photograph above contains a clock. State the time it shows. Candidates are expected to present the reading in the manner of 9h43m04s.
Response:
3h02m58s
